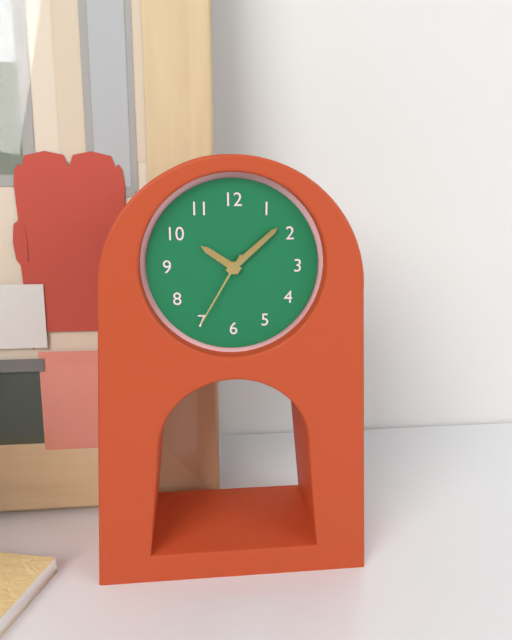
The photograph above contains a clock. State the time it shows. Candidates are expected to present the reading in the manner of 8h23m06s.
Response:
10h08m35s
